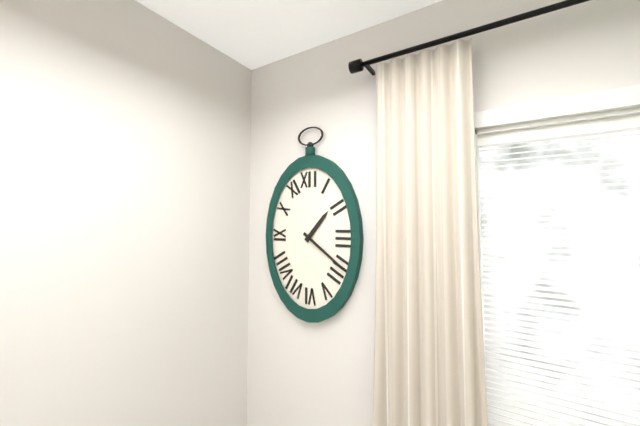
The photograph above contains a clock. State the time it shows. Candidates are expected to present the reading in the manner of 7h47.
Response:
1h21
